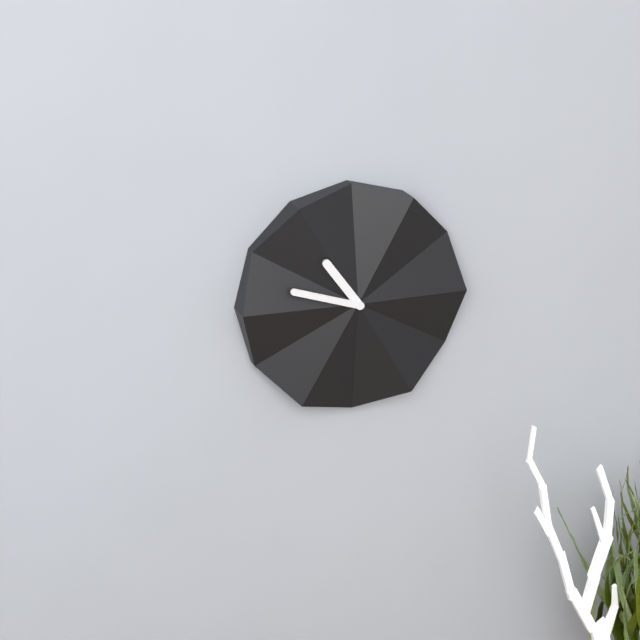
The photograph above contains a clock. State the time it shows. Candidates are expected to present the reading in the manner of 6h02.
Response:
10h48
